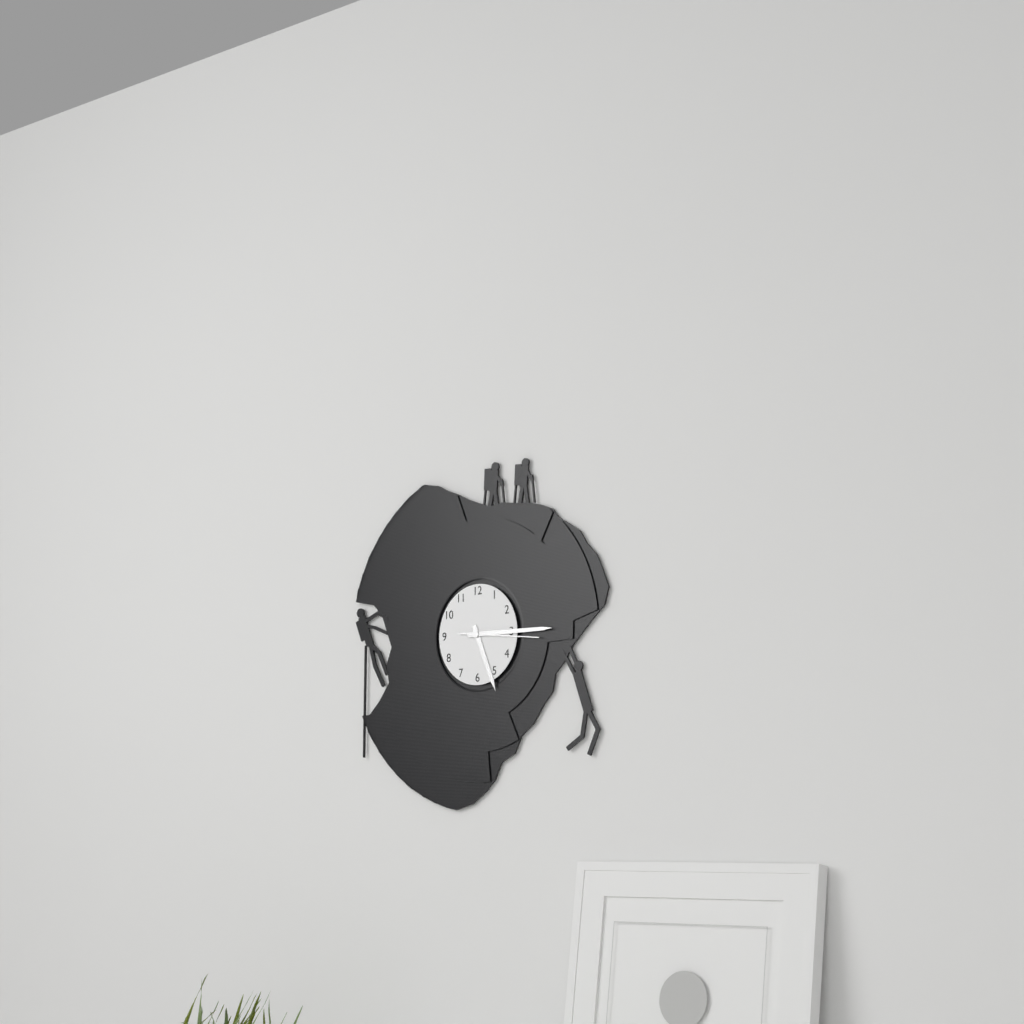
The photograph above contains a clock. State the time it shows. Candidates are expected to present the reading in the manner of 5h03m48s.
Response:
5h15m16s
